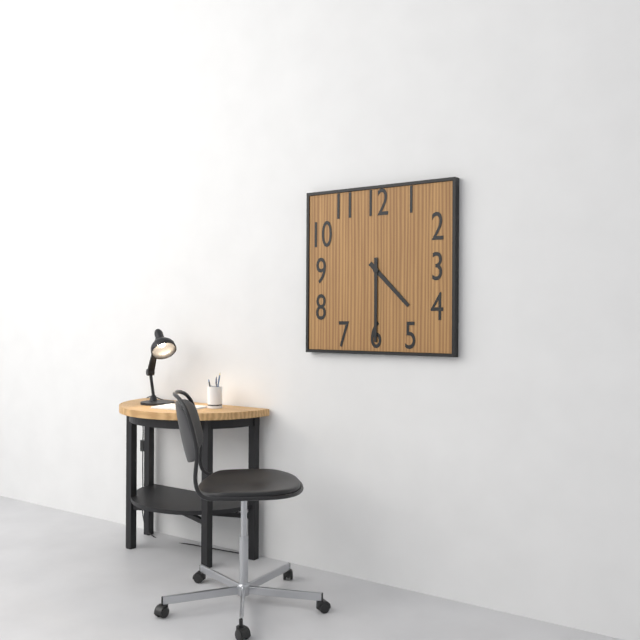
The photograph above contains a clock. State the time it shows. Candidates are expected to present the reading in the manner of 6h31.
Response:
4h30
